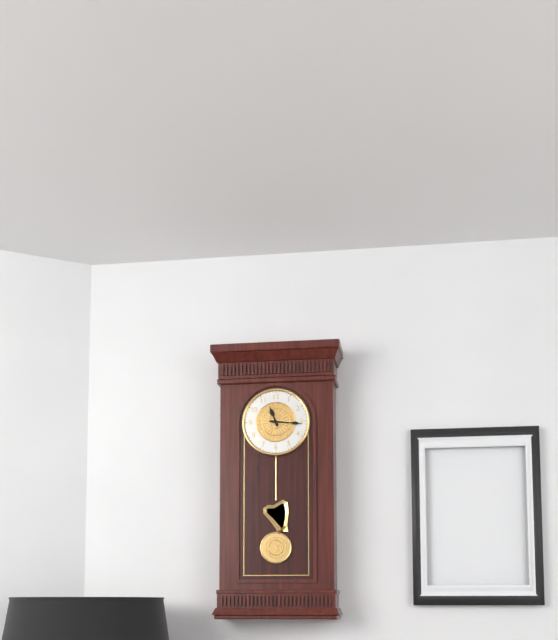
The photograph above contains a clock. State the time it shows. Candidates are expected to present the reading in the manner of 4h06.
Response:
11h16
